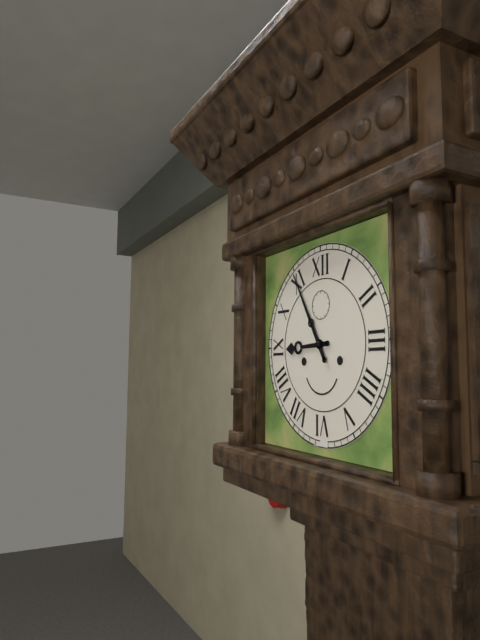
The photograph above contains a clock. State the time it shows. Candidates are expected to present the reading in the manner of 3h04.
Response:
8h55
